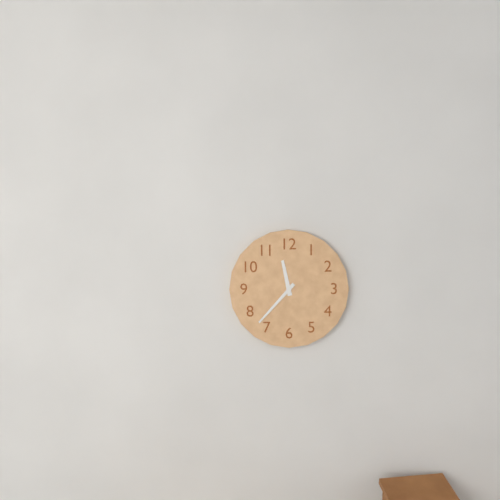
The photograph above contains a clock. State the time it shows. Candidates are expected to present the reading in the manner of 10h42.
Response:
11h37
